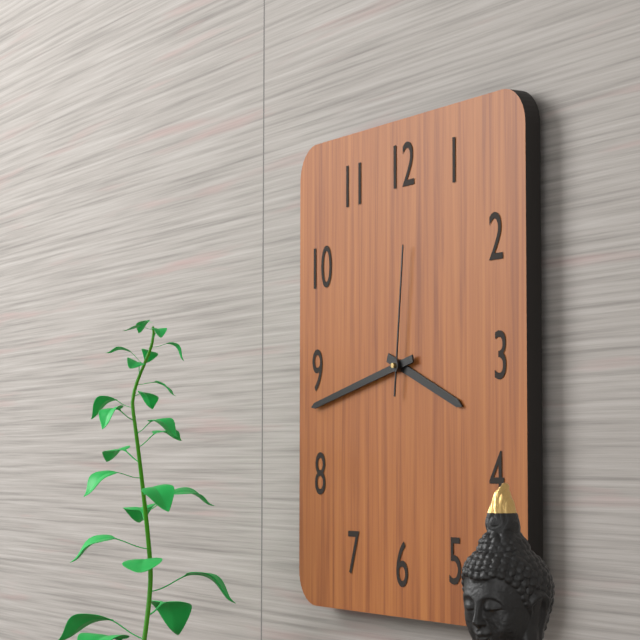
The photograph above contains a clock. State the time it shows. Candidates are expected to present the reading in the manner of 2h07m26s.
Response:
3h43m01s
